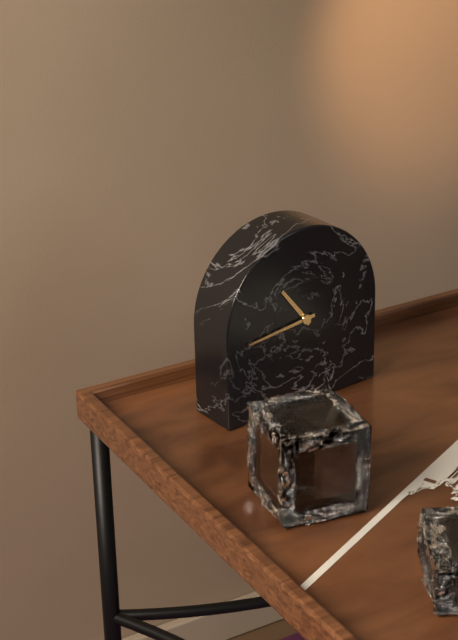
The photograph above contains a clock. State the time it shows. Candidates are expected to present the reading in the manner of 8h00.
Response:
10h44
